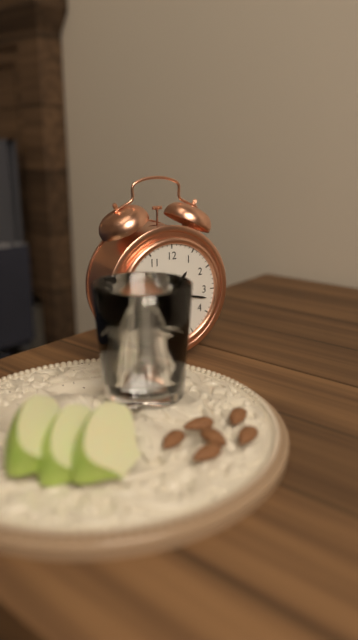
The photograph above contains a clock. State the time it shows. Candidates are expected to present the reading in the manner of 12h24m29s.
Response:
1h17m31s
